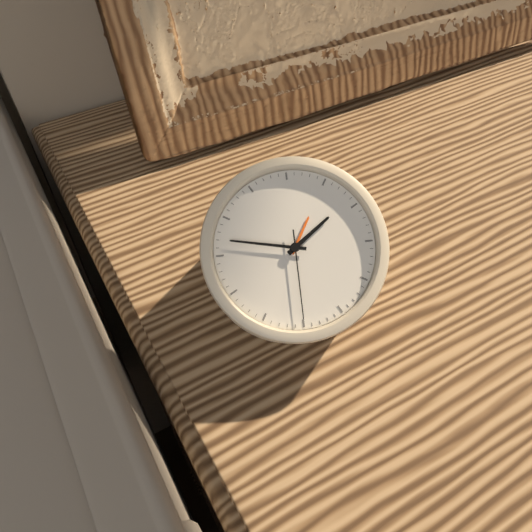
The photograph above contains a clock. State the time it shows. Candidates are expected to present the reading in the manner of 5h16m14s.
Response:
1h47m30s
